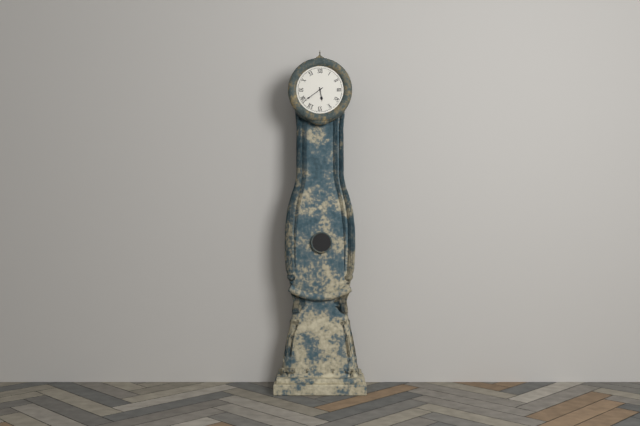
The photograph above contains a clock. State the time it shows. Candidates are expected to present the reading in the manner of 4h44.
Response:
5h39
